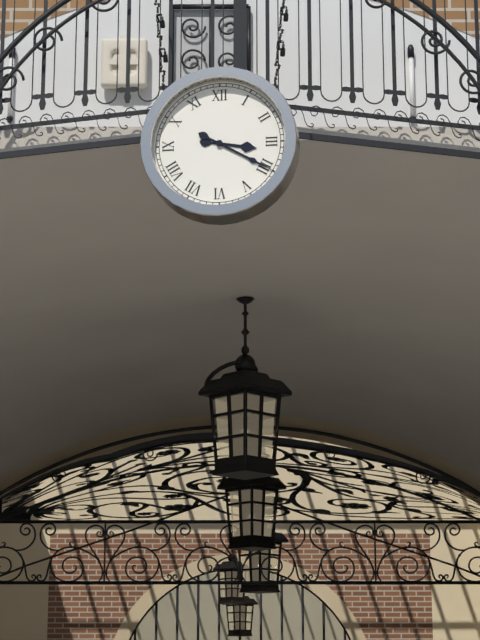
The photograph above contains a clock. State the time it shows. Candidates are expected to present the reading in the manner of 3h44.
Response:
3h20
